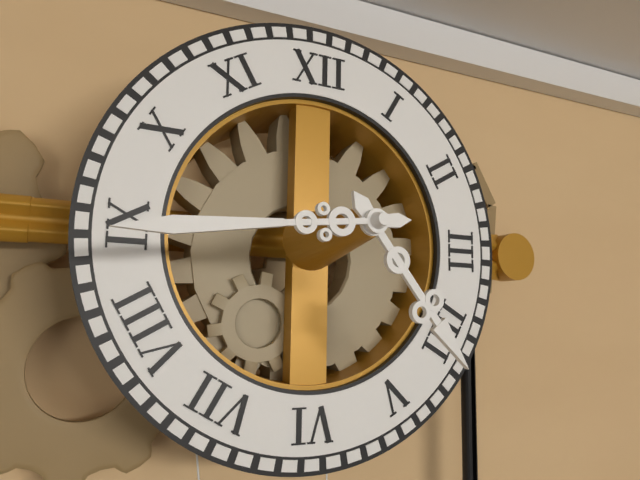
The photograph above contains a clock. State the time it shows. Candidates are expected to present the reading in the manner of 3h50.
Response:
4h44
